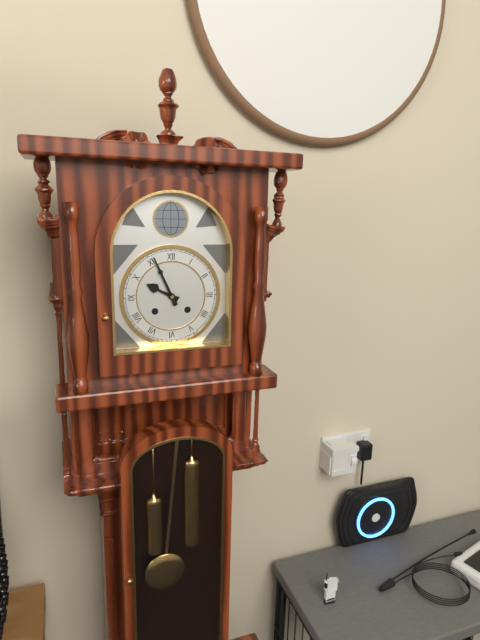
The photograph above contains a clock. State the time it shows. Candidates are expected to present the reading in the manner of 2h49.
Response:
9h56
